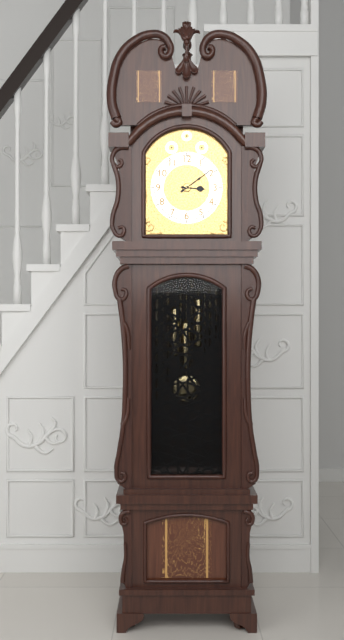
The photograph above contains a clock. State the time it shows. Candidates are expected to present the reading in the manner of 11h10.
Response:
3h09
